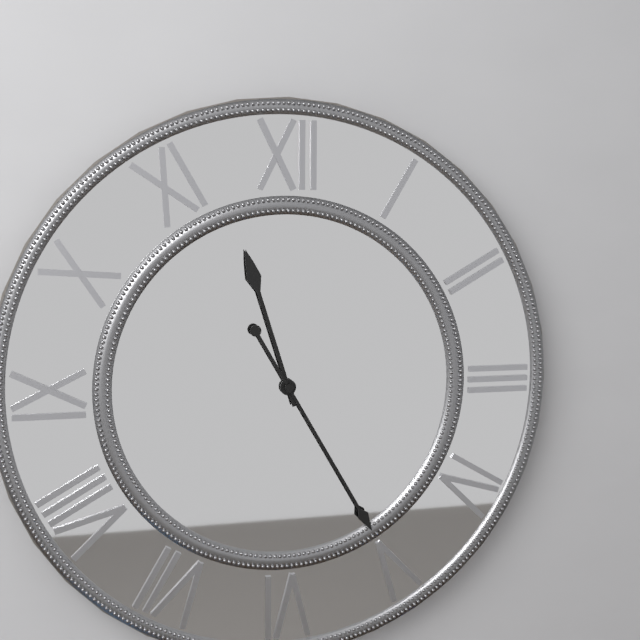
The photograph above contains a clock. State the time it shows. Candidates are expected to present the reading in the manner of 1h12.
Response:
11h25
